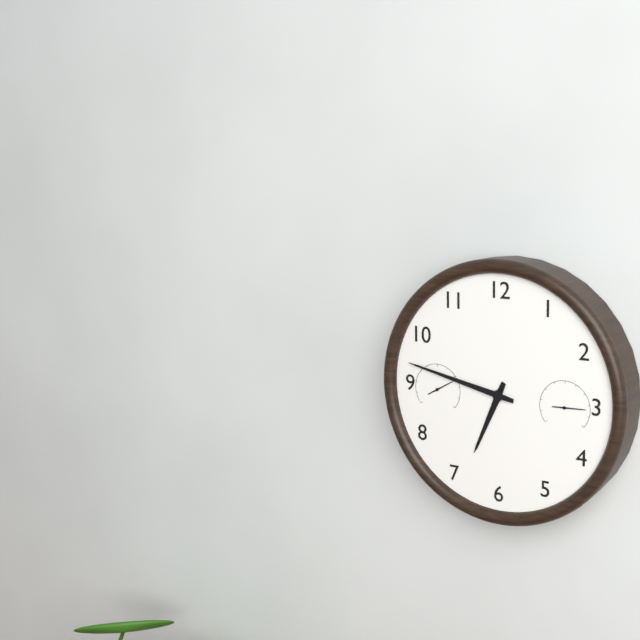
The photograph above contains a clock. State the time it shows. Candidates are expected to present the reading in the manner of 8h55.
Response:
6h47
